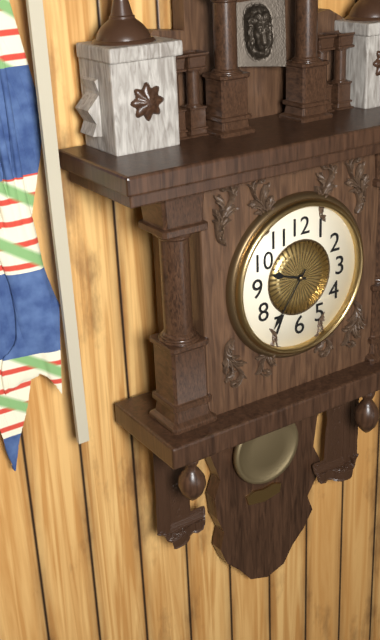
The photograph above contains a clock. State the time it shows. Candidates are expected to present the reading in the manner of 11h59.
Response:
9h36
